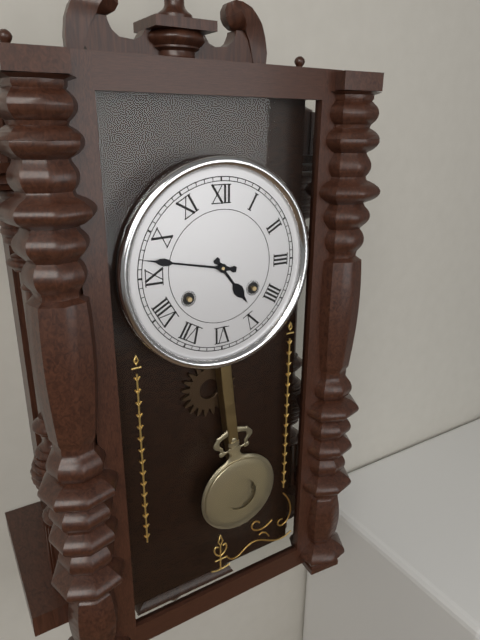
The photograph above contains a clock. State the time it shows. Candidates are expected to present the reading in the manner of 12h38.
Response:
4h47
